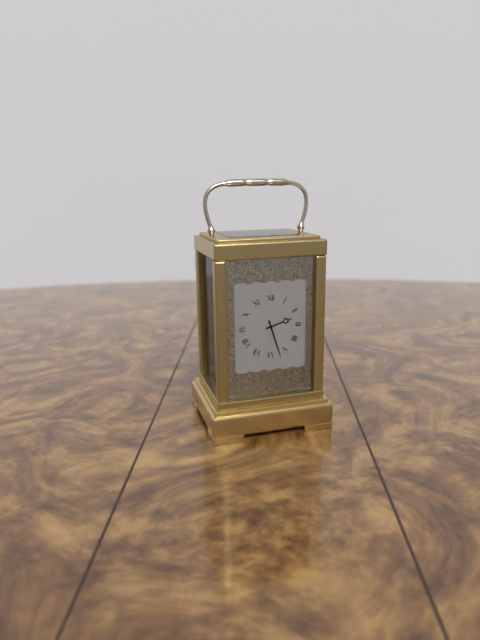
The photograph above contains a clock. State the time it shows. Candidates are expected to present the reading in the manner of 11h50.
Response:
2h27
